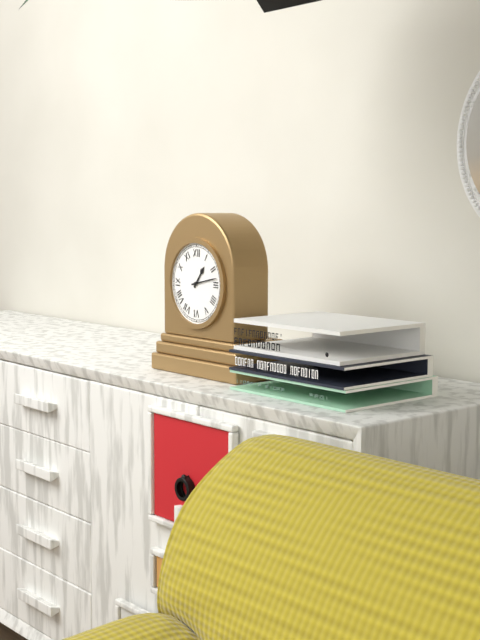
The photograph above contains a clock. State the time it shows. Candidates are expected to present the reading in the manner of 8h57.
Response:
1h13
